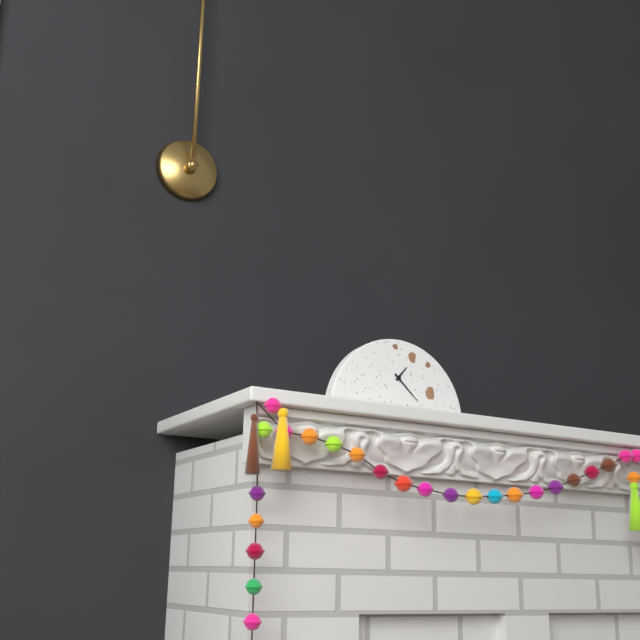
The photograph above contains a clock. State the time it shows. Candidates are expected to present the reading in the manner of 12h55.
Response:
1h22
